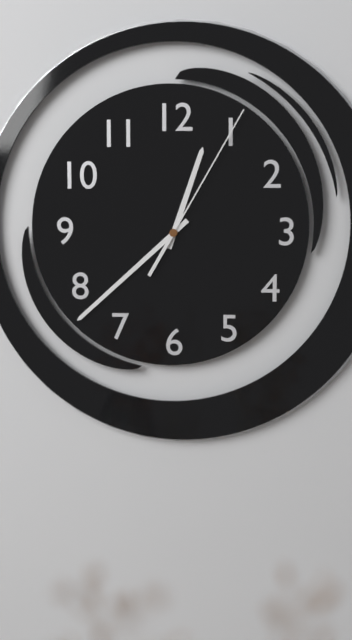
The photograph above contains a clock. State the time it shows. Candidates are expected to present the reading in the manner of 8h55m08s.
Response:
12h38m05s
